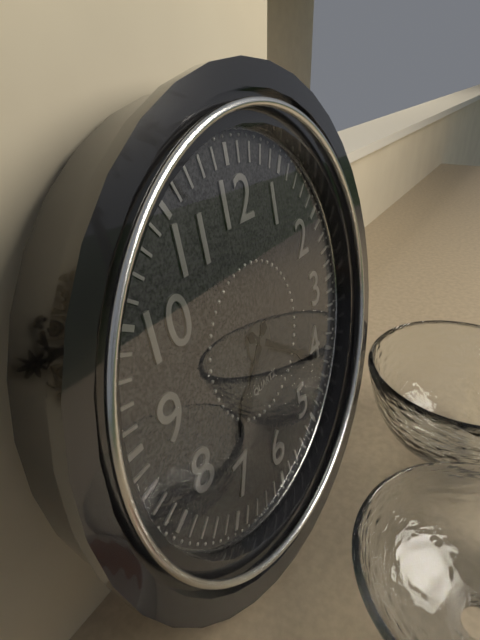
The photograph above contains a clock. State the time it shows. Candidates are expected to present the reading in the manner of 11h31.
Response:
7h21
